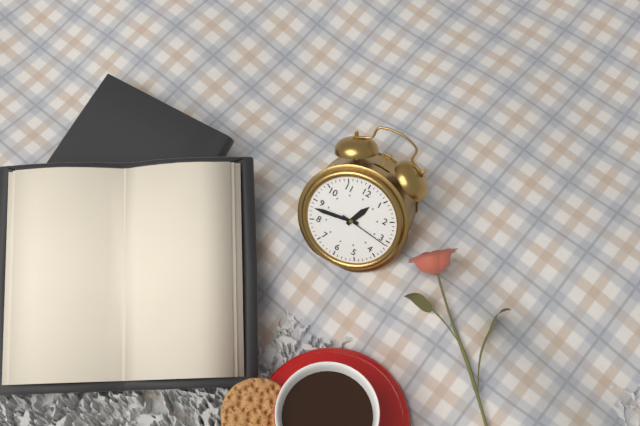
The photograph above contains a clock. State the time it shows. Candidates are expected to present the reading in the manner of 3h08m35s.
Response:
12h43m16s
